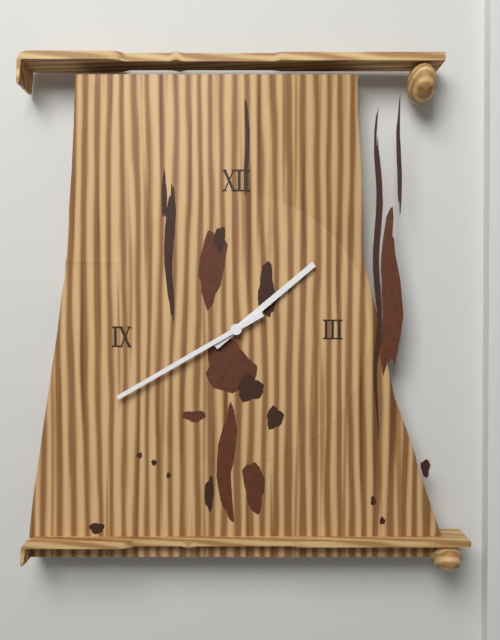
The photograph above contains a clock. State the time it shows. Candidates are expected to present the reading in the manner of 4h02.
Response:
1h40
